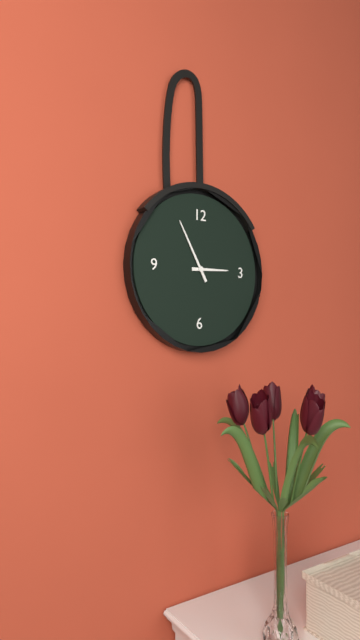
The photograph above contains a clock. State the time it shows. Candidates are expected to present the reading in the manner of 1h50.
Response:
2h55
